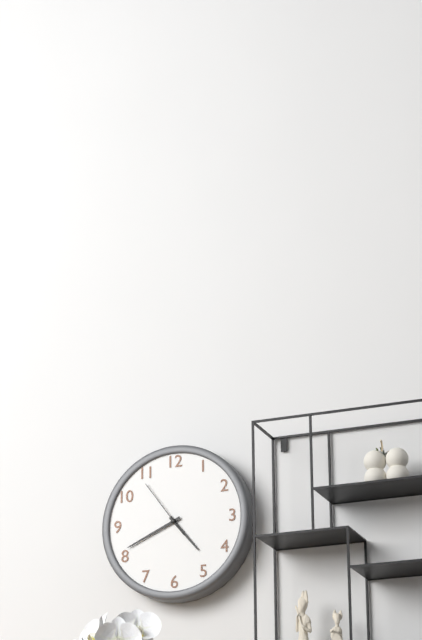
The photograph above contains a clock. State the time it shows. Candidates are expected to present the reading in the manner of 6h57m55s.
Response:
4h41m54s
